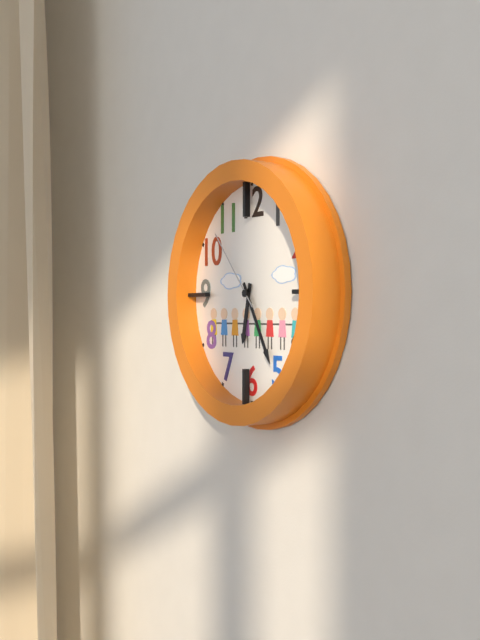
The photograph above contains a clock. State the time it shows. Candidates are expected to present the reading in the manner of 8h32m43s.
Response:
6h25m53s
